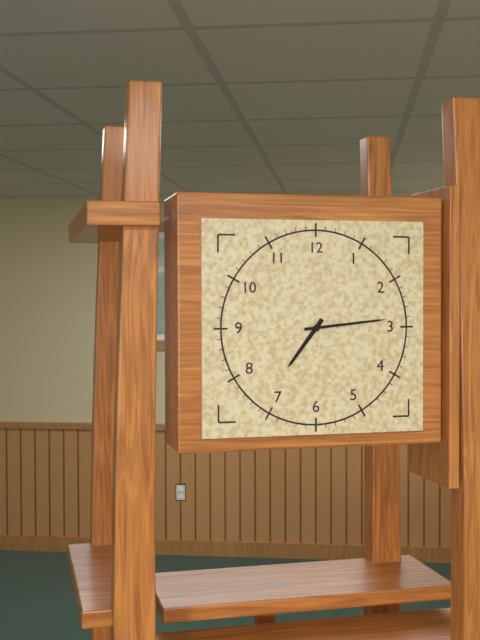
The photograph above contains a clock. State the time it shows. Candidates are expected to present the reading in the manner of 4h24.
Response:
7h14
